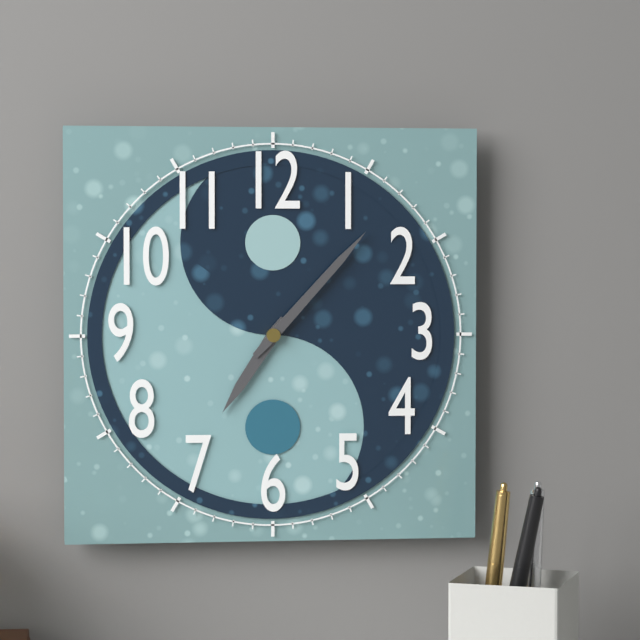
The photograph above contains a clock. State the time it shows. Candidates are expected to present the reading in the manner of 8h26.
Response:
7h07
